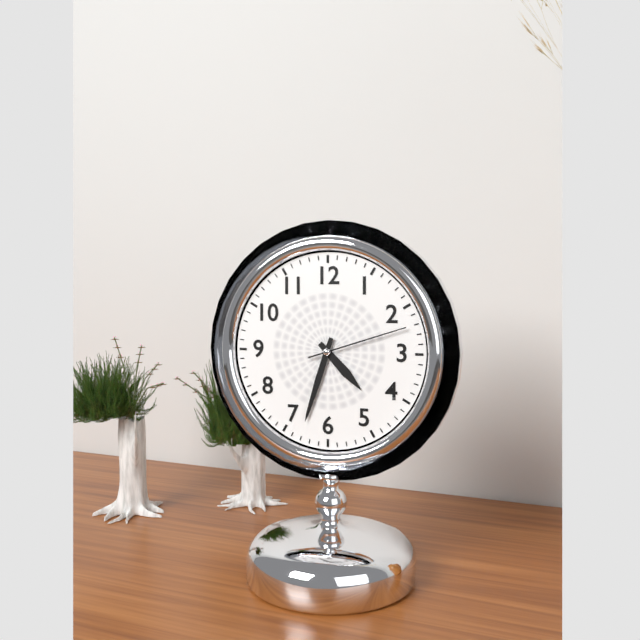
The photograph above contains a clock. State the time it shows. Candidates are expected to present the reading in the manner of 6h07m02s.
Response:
4h33m12s
